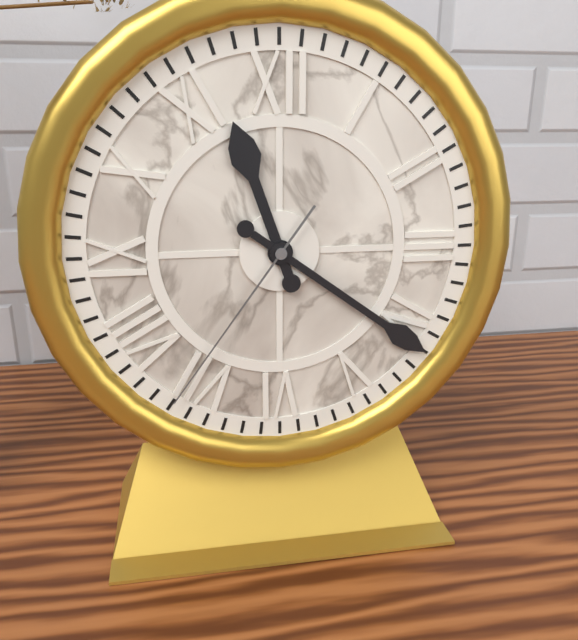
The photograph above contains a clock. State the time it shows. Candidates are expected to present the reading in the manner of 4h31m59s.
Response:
11h21m36s
